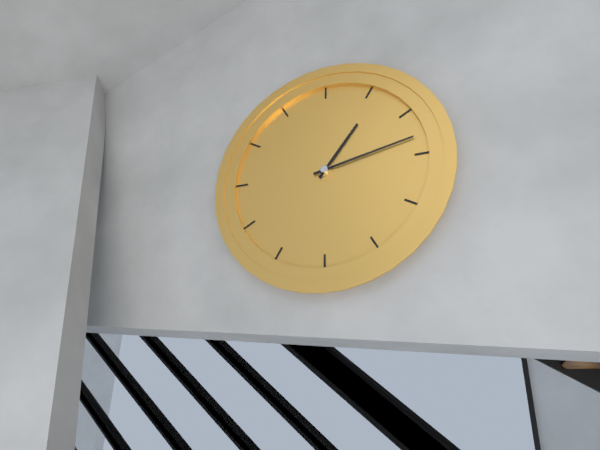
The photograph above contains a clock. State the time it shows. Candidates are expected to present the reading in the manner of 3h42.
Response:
1h13
